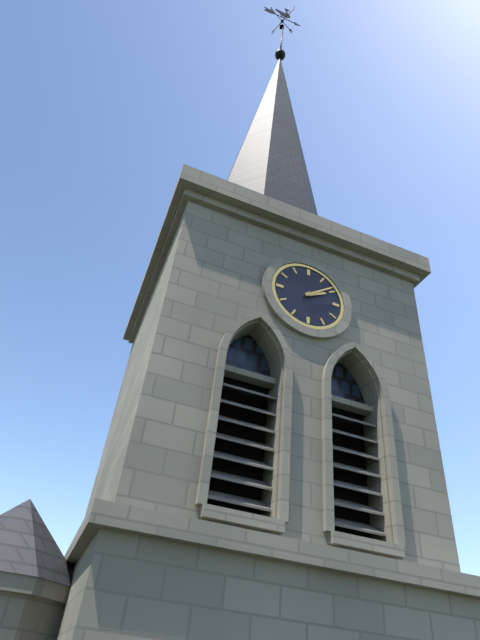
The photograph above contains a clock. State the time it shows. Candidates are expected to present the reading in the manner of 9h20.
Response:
2h09
